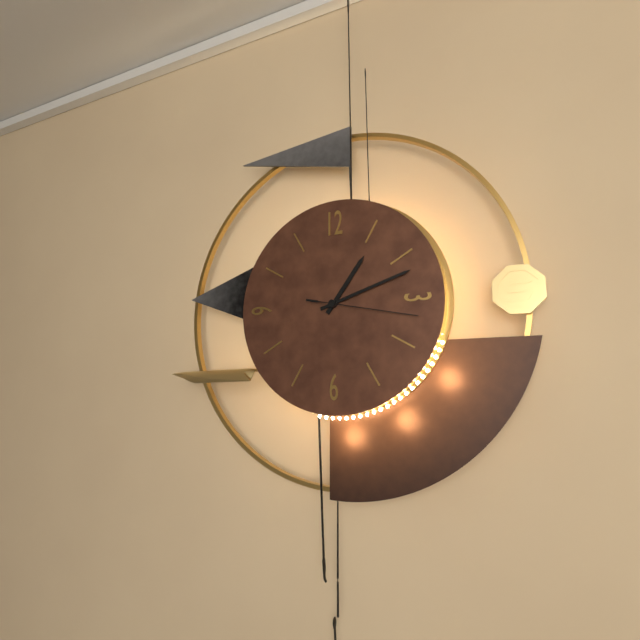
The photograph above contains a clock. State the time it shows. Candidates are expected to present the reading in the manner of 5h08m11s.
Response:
1h12m17s
